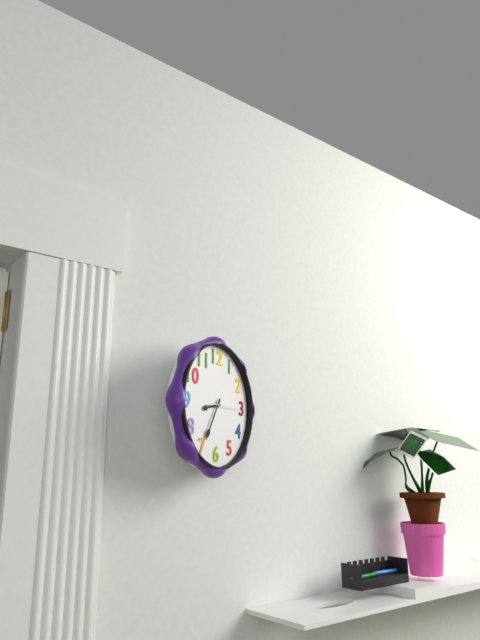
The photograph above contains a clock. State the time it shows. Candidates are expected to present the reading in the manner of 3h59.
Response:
8h35
